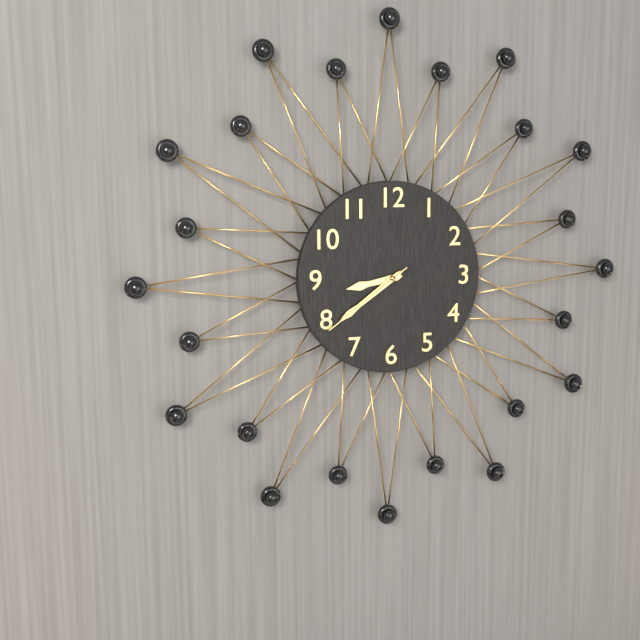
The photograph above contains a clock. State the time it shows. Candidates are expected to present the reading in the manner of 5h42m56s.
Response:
8h39m39s
